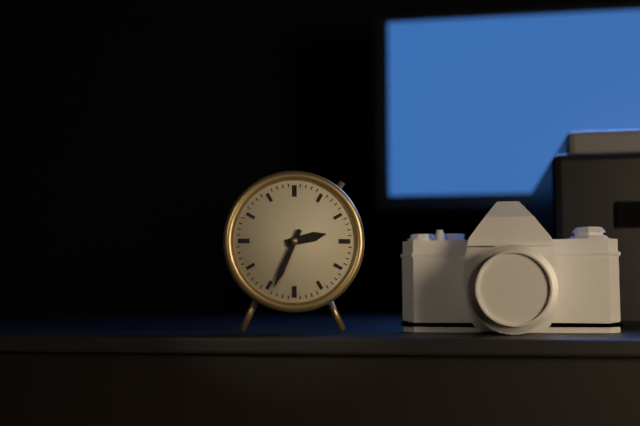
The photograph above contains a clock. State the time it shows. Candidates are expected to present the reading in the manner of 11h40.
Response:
2h34
